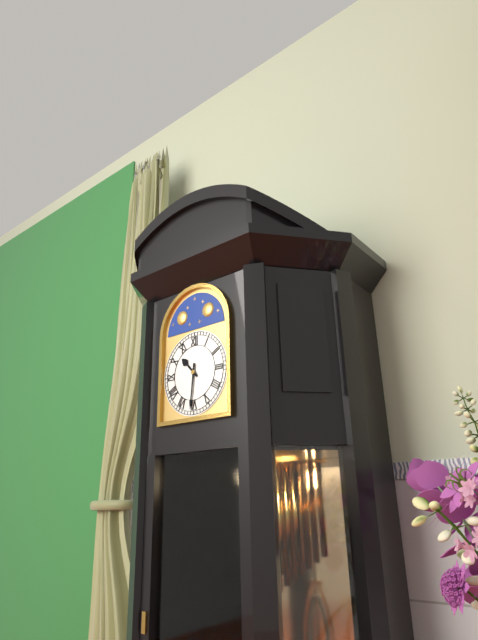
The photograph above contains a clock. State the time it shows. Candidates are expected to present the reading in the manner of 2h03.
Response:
10h31
